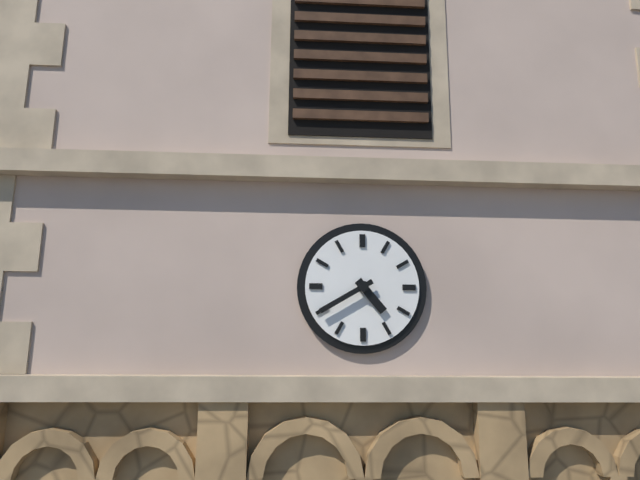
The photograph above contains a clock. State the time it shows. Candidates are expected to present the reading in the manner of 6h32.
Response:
4h40
